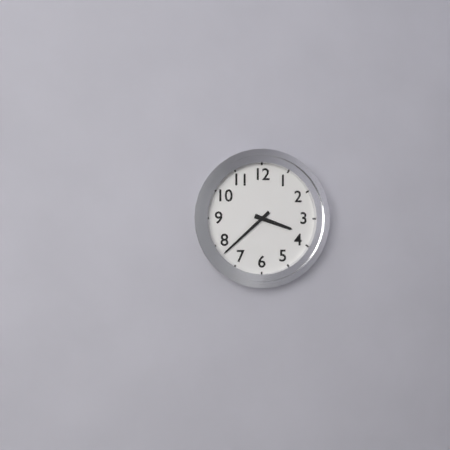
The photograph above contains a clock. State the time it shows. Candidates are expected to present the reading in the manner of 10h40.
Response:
3h38
